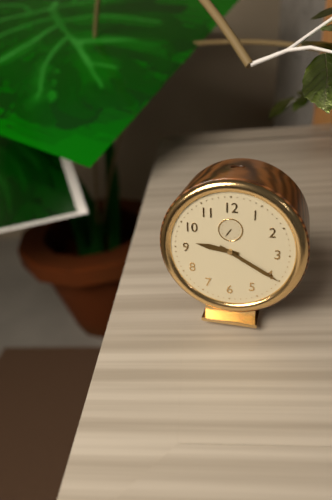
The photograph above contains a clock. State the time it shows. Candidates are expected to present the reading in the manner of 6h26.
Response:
9h20
